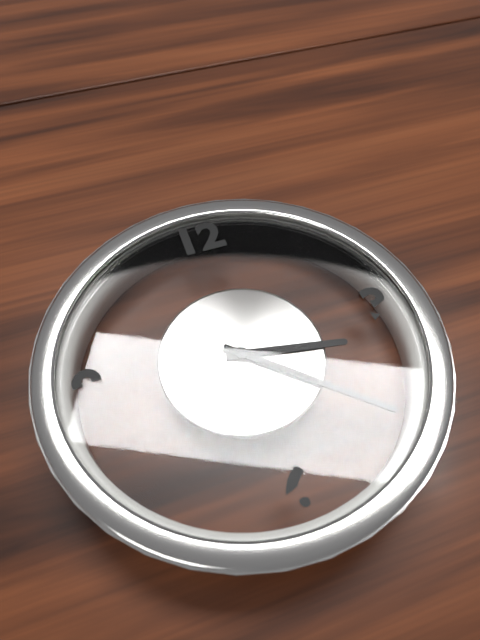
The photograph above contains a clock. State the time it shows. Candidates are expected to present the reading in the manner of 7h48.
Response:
3h22
